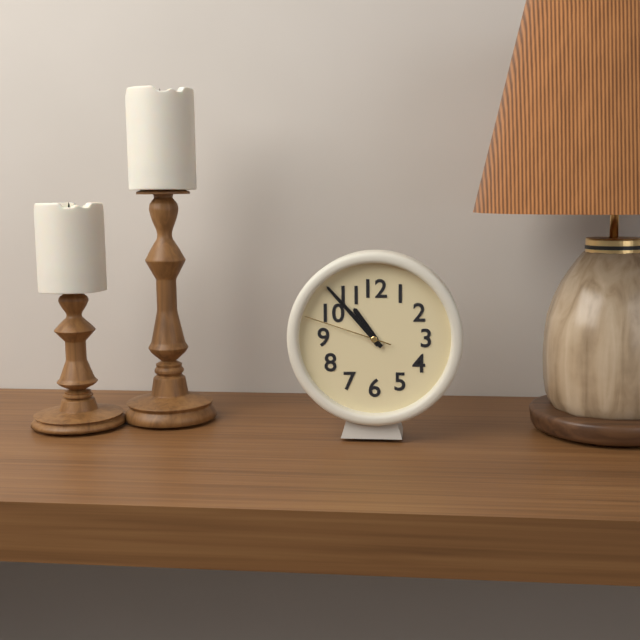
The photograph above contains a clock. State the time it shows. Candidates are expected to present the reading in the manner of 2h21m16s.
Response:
10h53m48s
